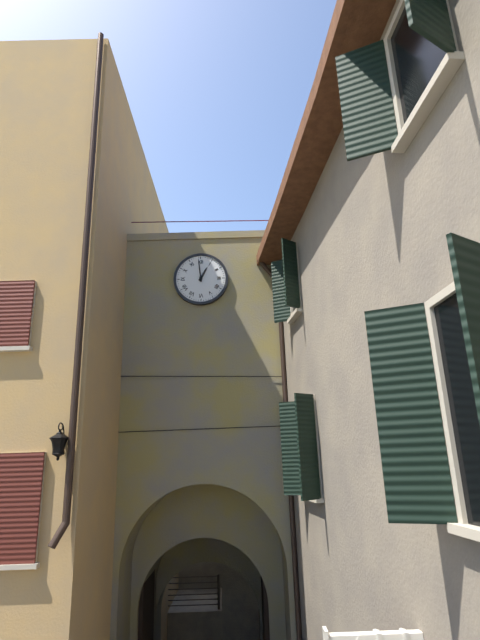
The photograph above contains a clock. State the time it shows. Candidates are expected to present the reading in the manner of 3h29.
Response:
12h59
